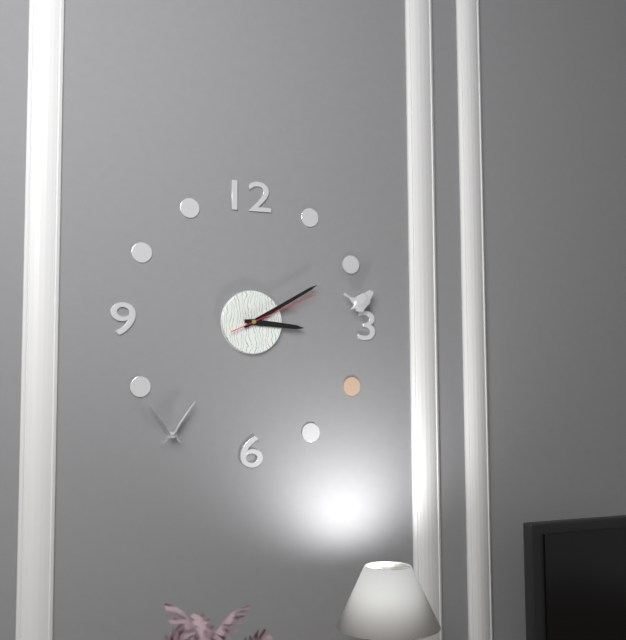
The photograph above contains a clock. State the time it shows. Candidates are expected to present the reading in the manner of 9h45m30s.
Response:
3h10m11s
